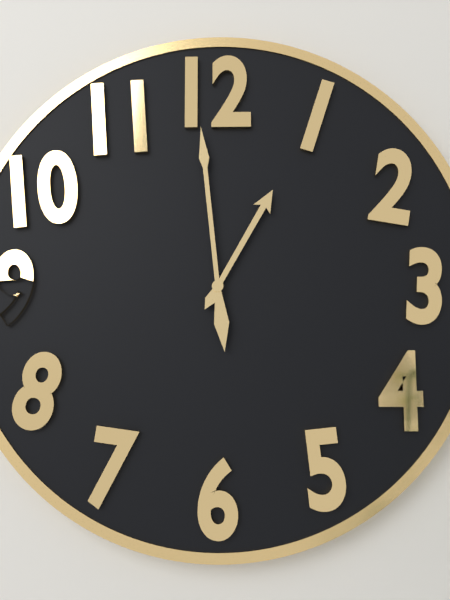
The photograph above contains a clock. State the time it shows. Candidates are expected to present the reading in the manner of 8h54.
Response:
12h59
